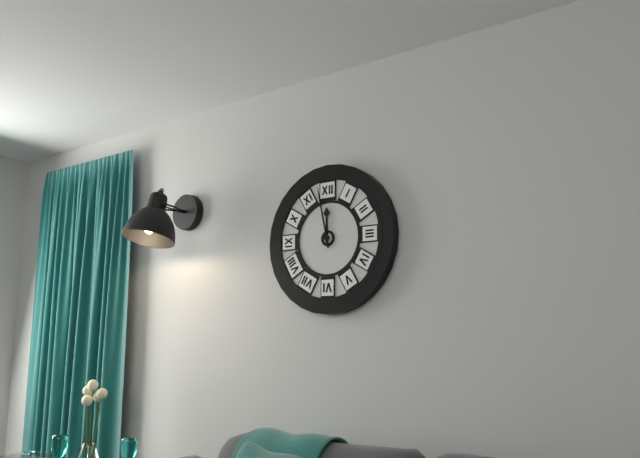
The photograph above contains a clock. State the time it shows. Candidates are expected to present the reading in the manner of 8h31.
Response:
11h58
